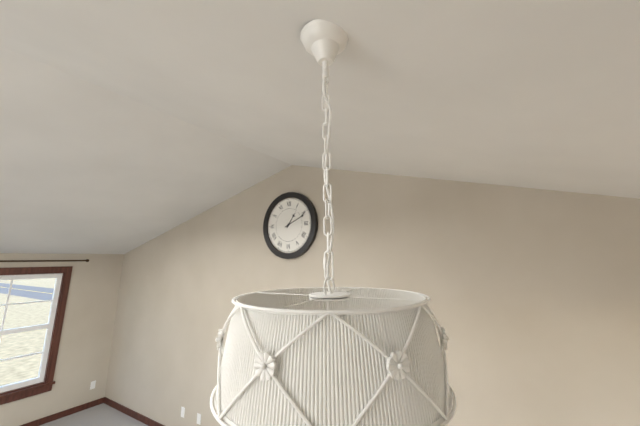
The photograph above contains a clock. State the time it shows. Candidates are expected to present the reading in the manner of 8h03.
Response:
1h11
